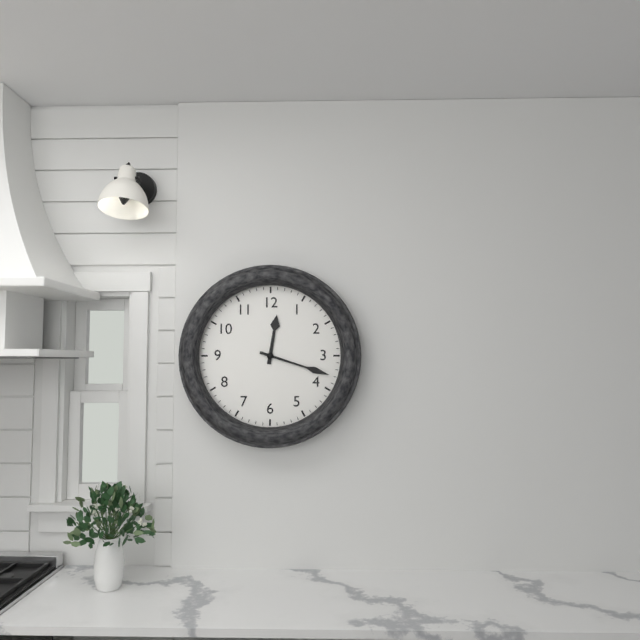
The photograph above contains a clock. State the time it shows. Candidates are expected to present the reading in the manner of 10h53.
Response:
12h18
